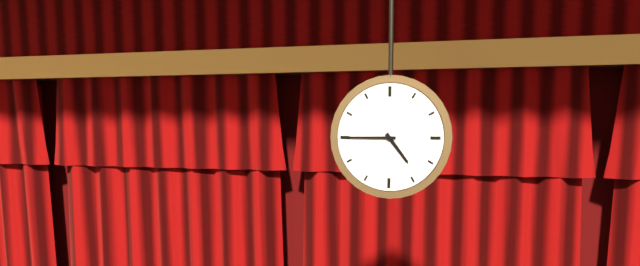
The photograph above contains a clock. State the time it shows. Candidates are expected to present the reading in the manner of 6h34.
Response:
4h45
